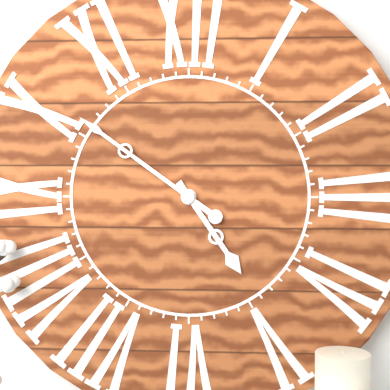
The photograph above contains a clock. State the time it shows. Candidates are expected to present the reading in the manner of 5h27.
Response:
4h51
